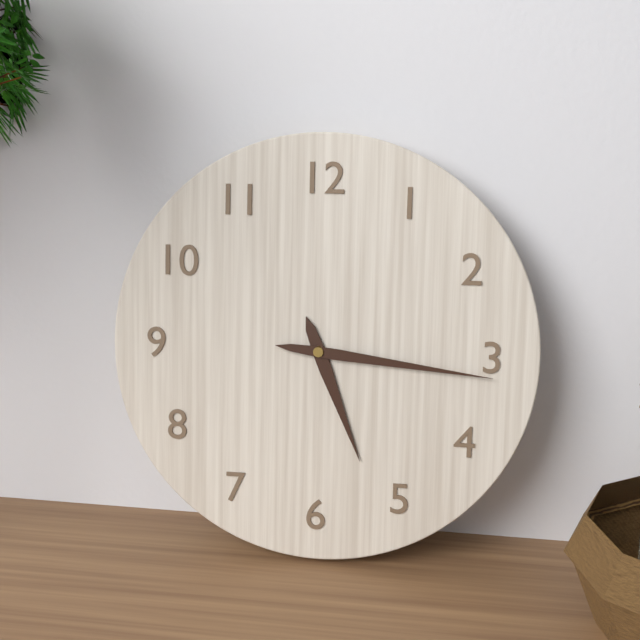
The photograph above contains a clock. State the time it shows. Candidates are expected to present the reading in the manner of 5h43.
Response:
5h16
